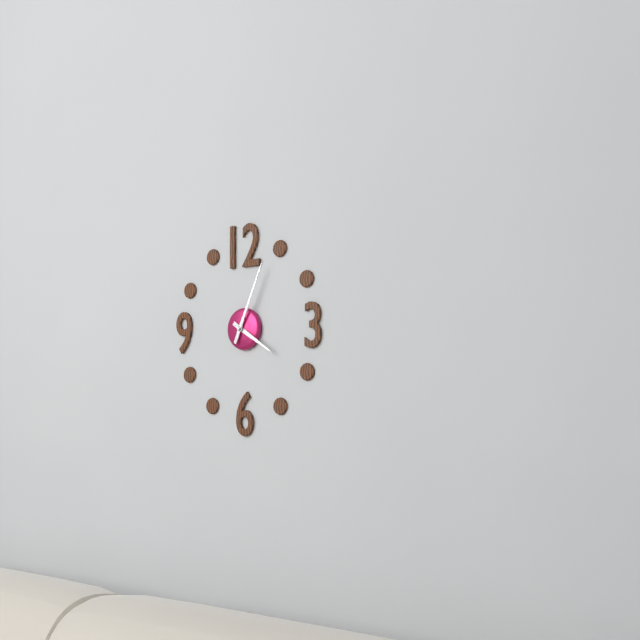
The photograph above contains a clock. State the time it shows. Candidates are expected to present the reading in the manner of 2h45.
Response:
4h04
